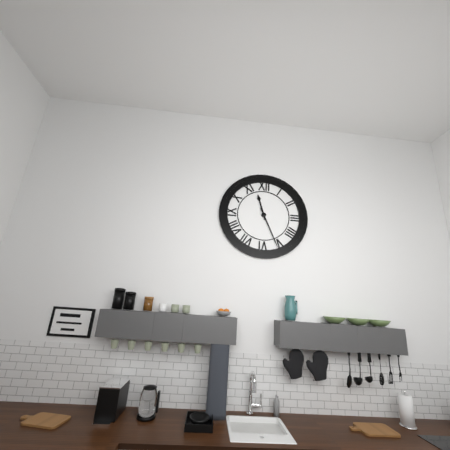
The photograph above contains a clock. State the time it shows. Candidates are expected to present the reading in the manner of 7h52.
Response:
11h26
